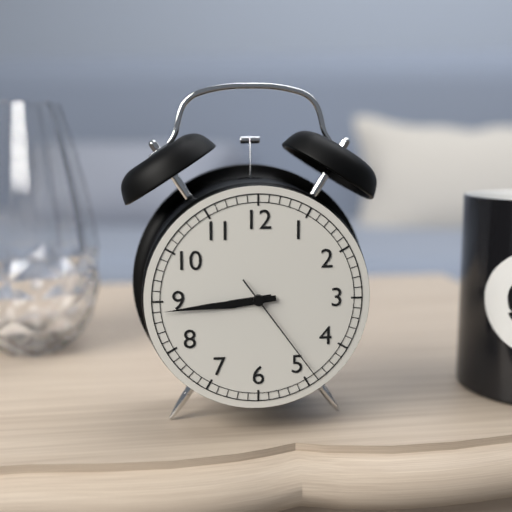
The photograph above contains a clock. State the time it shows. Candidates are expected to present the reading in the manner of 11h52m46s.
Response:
8h44m24s
